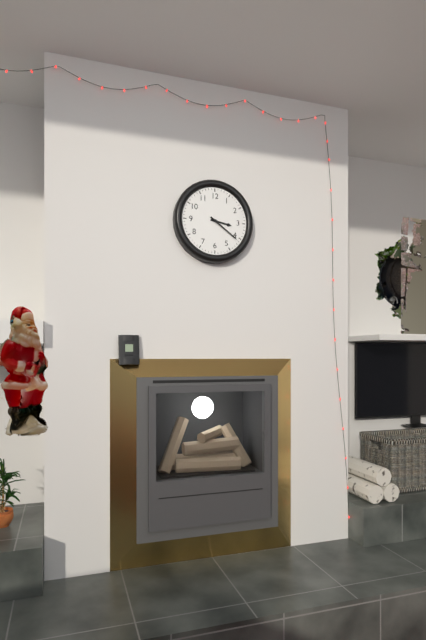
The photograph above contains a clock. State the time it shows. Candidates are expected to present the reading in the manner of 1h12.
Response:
3h21
